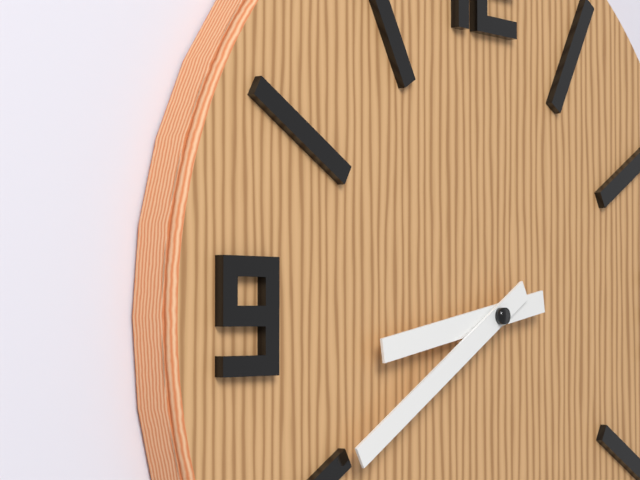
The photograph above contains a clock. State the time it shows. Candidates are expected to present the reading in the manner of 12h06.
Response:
8h40
